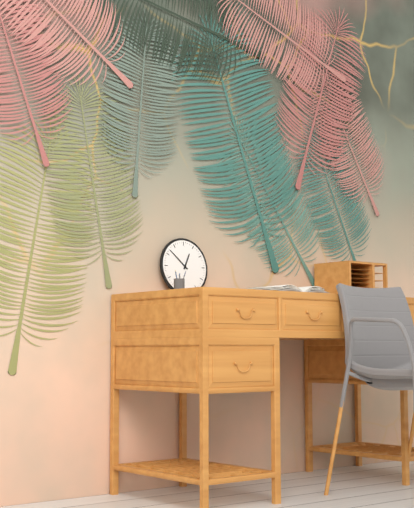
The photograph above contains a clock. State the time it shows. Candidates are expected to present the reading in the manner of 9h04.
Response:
12h52
